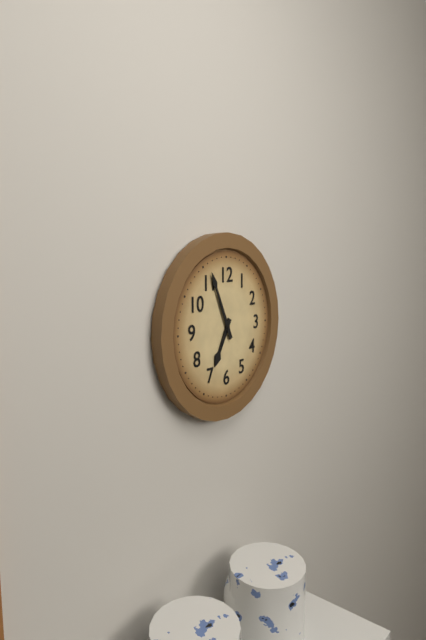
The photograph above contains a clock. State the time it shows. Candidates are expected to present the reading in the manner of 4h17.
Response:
6h56
